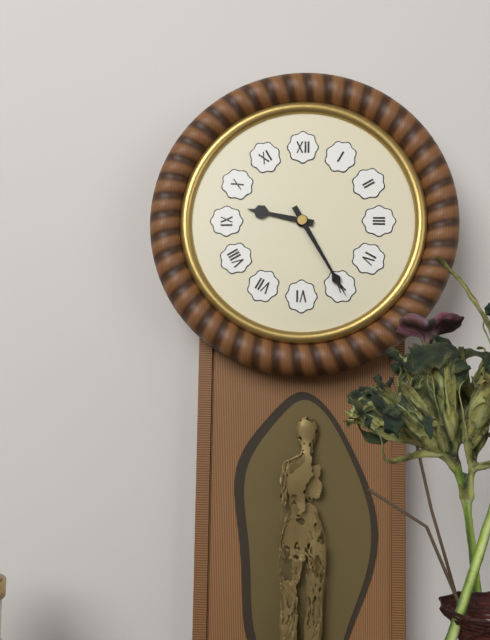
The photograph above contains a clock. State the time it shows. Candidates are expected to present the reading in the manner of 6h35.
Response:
9h25
